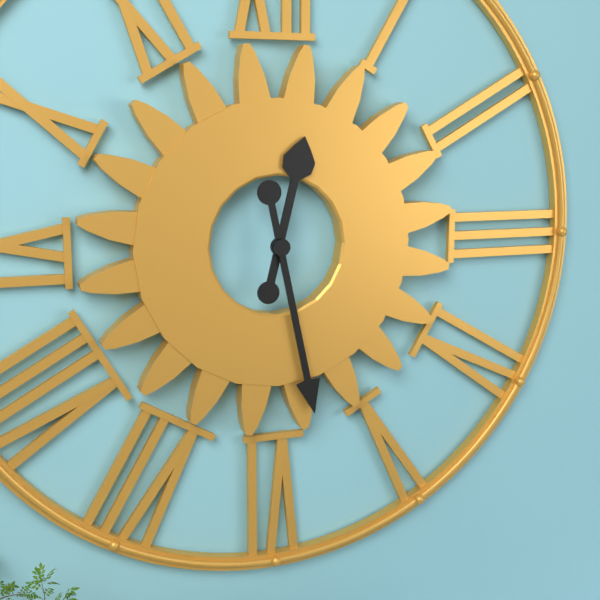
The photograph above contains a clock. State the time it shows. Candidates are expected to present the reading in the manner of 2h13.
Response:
12h28
